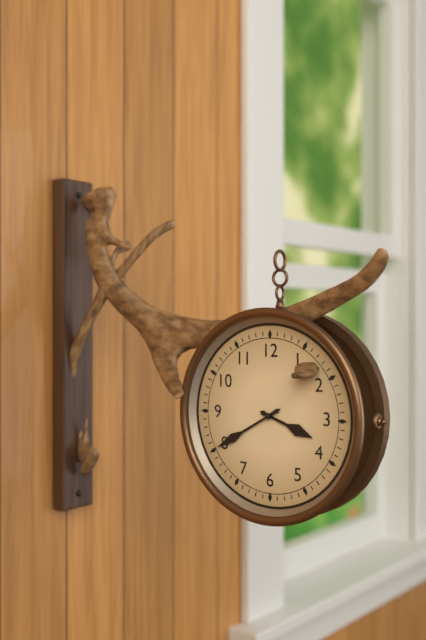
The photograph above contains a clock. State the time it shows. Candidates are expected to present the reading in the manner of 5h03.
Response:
3h40
